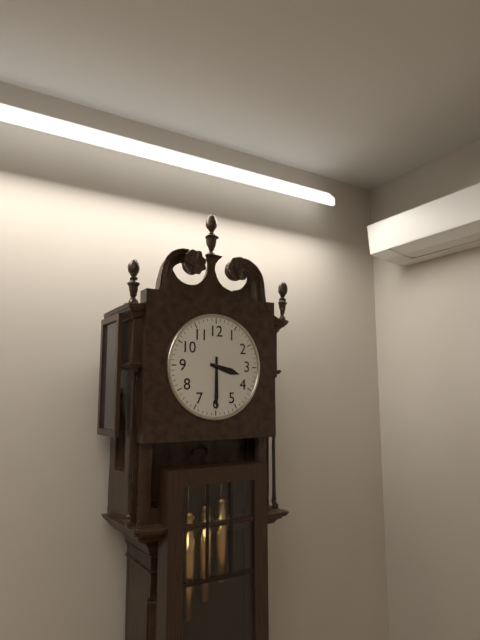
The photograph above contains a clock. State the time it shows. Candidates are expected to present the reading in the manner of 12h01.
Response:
3h30
